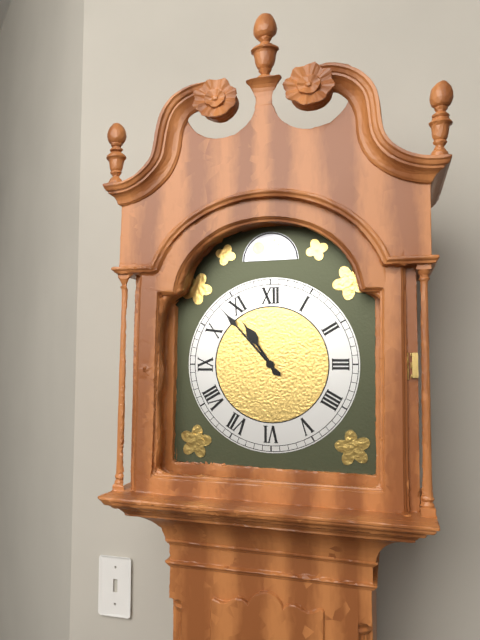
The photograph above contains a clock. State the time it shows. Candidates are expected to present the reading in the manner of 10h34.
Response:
10h53
